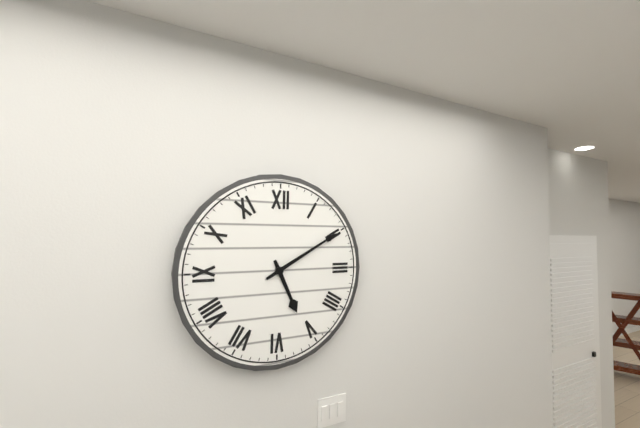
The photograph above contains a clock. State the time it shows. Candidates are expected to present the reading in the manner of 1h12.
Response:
5h10
